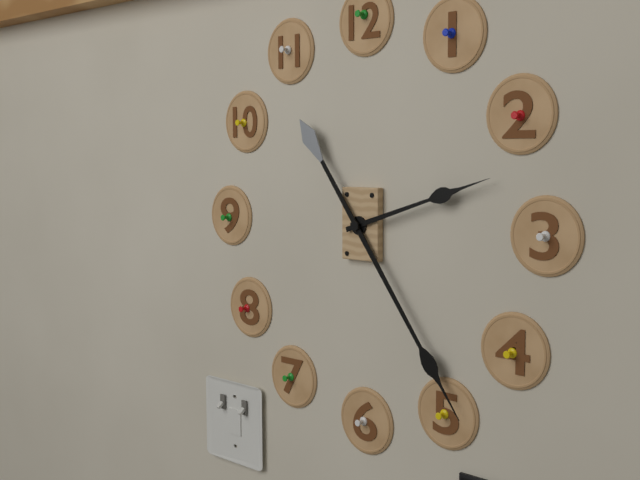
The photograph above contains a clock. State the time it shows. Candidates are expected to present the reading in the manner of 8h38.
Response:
2h24
